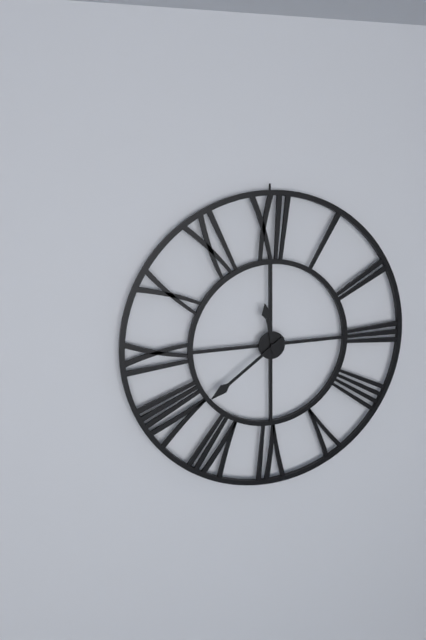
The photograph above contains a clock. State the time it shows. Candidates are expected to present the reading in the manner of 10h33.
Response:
11h39
